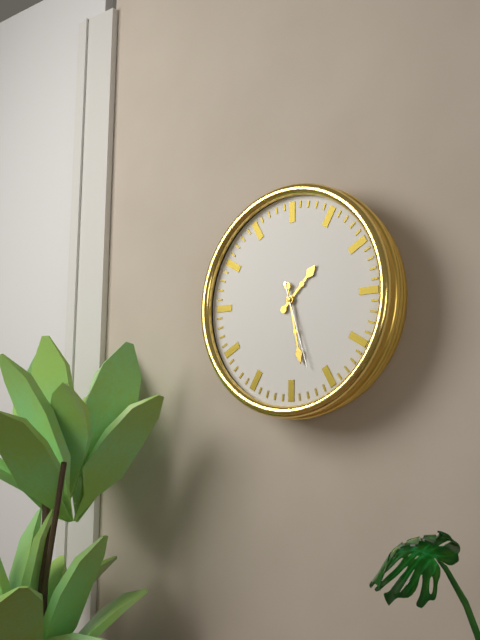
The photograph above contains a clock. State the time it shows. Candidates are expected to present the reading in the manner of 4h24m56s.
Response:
1h28m27s
